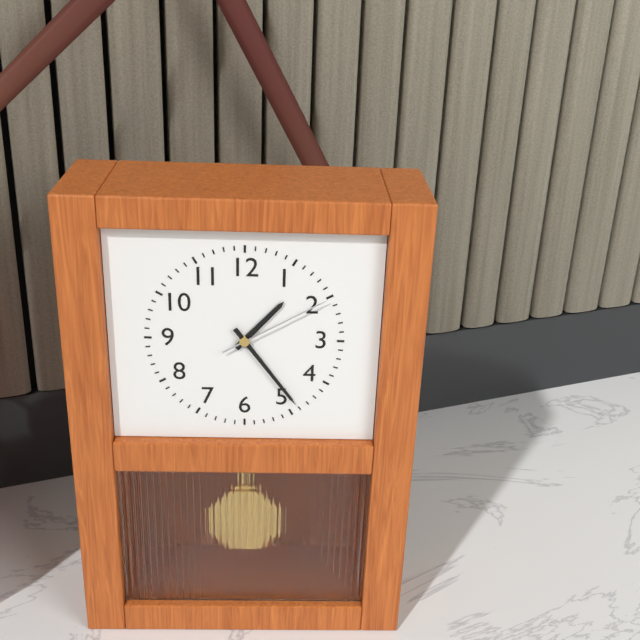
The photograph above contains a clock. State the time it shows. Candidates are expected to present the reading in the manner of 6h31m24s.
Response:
1h24m10s
